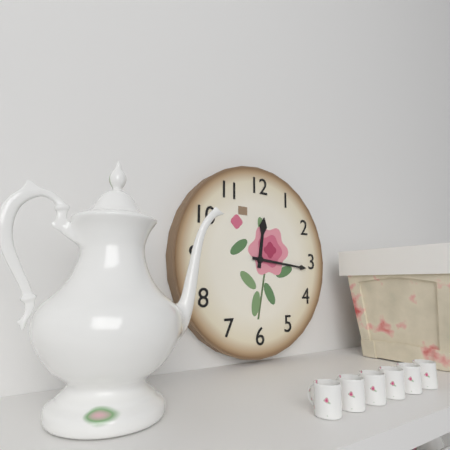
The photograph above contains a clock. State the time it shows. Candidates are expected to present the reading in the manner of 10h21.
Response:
12h16
